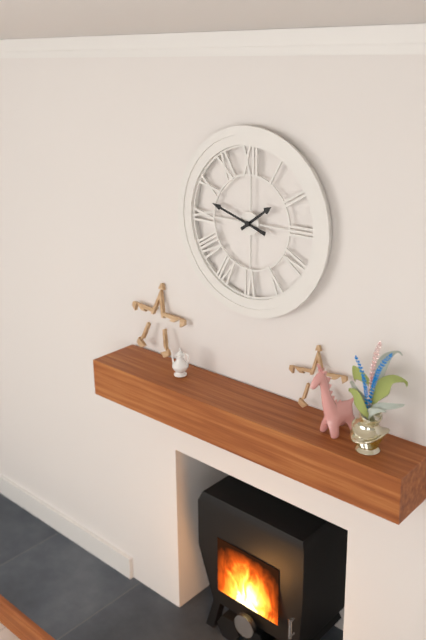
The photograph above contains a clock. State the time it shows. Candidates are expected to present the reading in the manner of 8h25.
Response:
1h48
